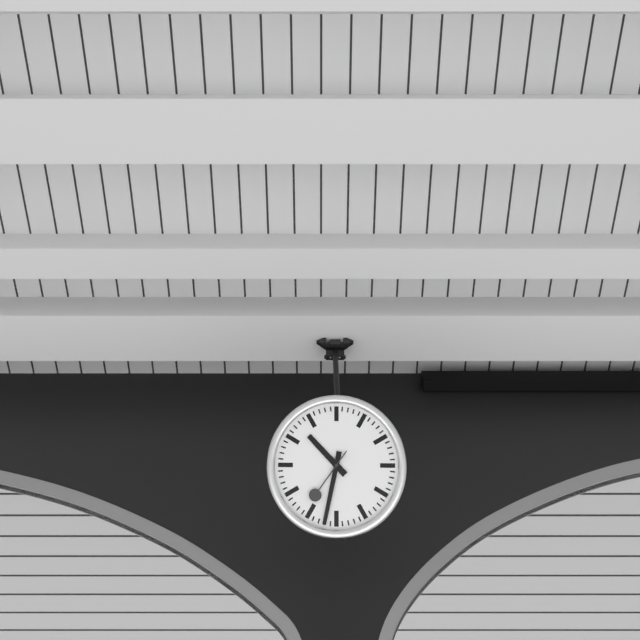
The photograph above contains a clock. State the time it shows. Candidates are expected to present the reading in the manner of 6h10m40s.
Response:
10h32m36s
